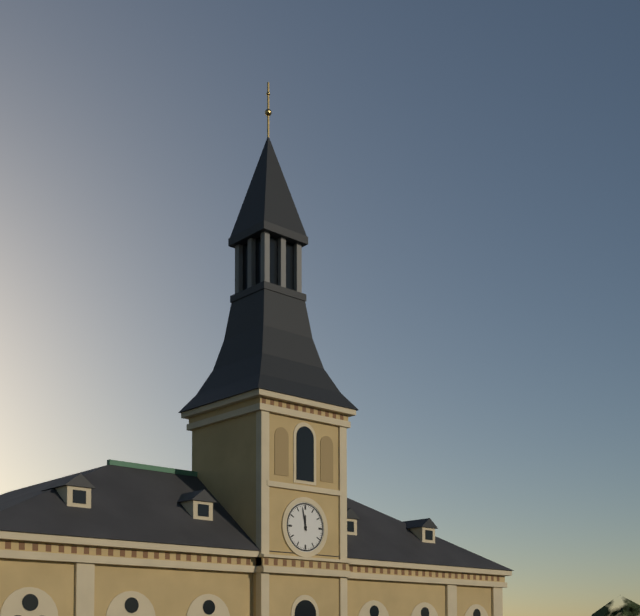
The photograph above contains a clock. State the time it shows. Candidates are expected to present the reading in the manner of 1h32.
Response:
11h58
